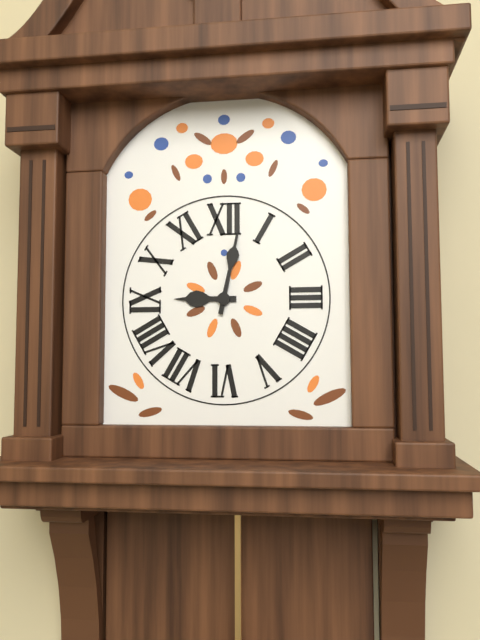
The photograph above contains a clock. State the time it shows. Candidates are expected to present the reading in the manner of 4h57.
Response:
9h02
